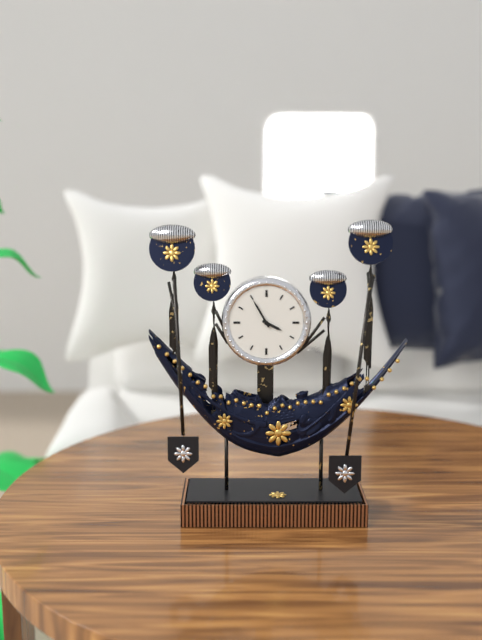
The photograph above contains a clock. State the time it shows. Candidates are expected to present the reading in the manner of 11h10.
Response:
3h55
